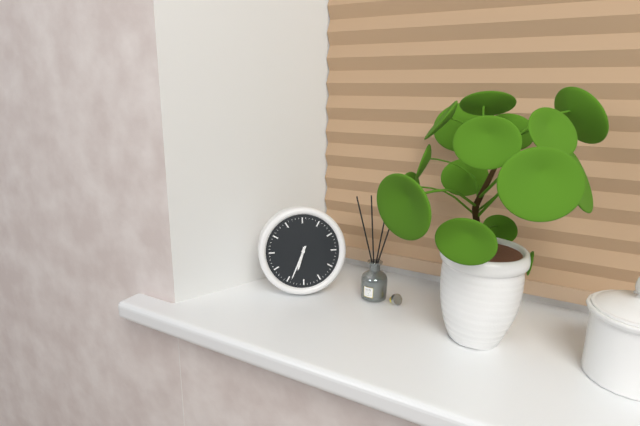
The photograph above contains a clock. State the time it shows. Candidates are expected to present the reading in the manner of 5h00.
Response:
6h34
